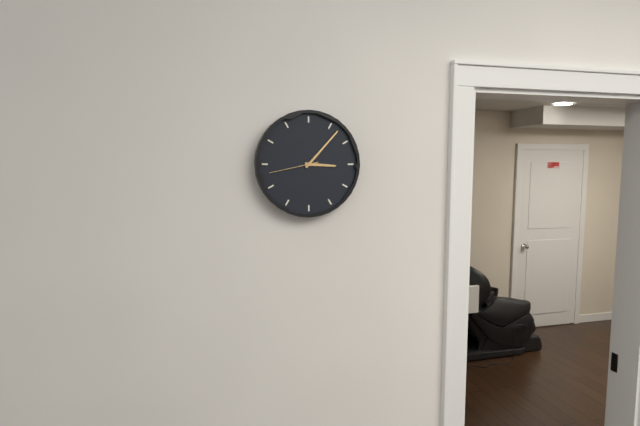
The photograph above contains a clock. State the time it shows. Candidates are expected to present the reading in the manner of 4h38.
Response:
3h07
